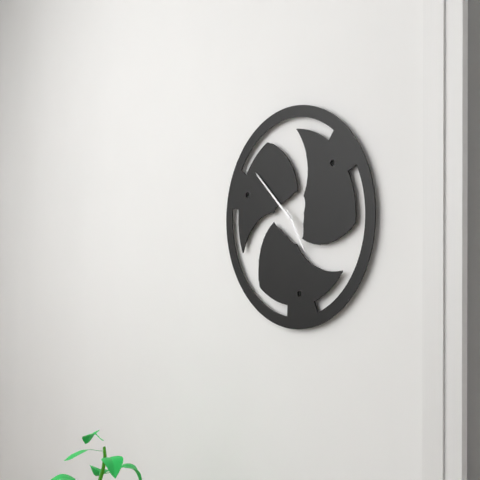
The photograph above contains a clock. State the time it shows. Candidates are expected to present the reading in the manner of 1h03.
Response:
4h52
